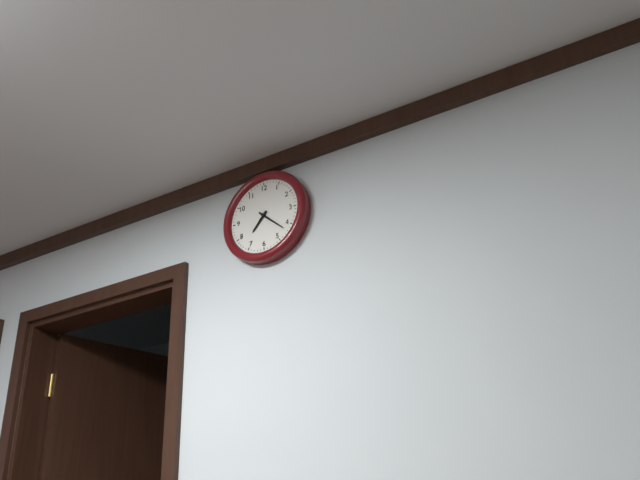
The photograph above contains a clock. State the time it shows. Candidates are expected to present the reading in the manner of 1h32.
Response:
7h22
